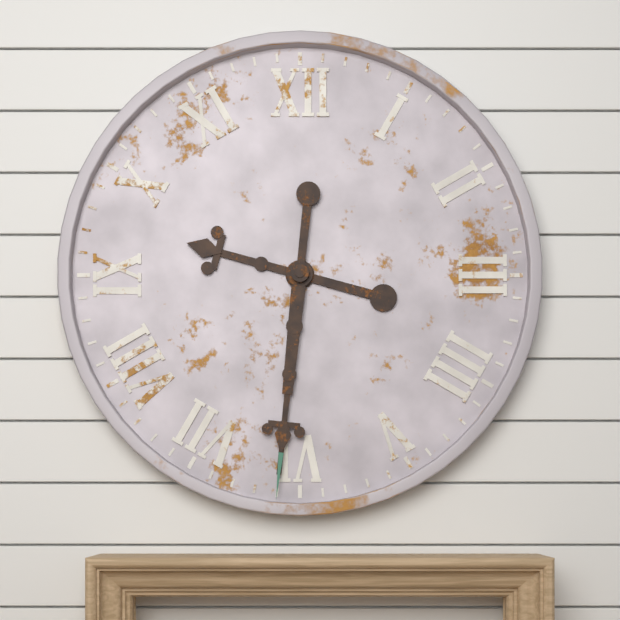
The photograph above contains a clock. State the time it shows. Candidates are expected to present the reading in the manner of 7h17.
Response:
9h31
